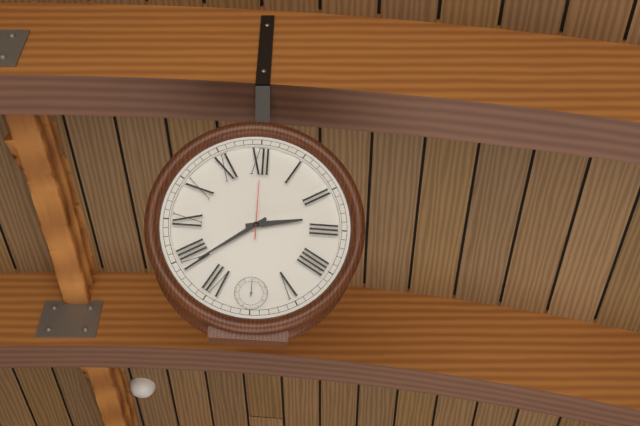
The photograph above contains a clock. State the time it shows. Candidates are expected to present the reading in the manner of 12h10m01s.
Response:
2h39m00s
